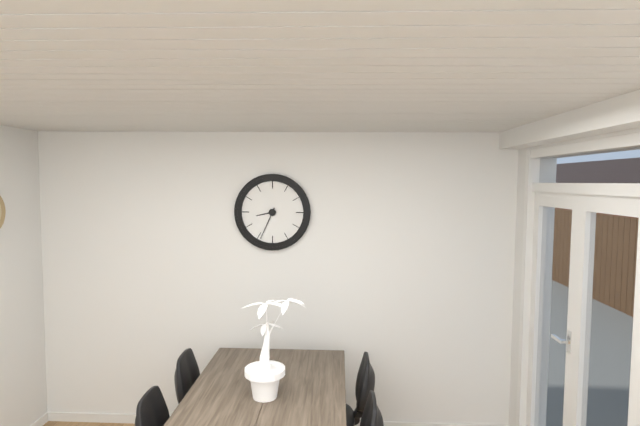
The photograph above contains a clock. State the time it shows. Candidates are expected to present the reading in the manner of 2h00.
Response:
8h34
